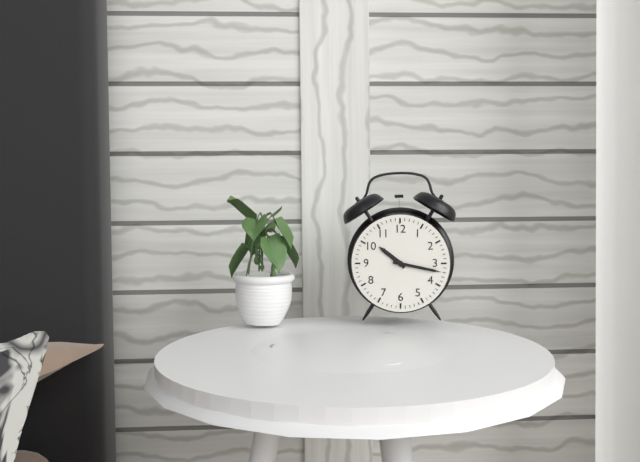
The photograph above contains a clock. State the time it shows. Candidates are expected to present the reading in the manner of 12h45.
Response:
10h17
